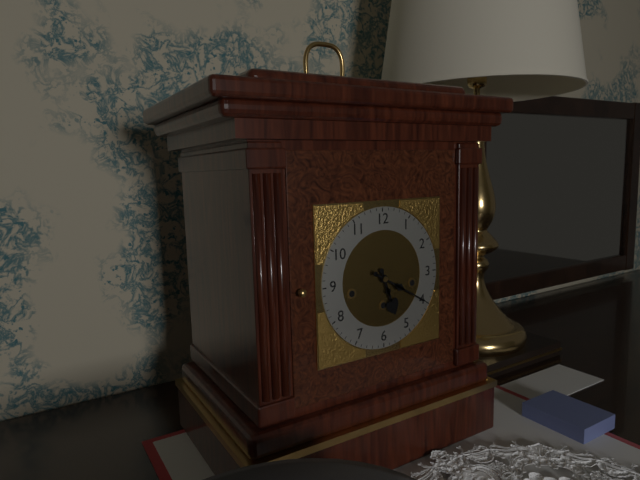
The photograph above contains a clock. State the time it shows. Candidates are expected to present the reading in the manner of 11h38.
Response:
5h20
